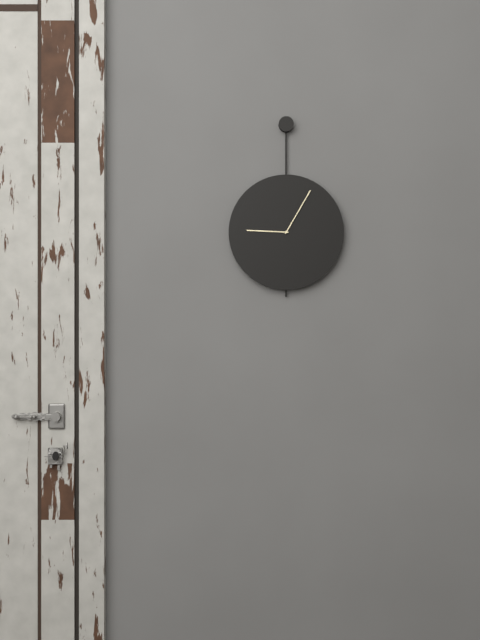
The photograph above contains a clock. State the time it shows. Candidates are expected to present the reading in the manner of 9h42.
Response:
9h05
